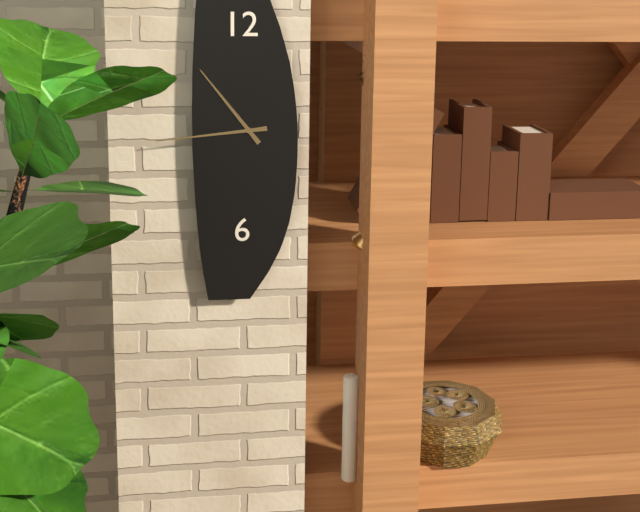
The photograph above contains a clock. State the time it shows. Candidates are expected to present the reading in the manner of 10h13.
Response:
10h44
